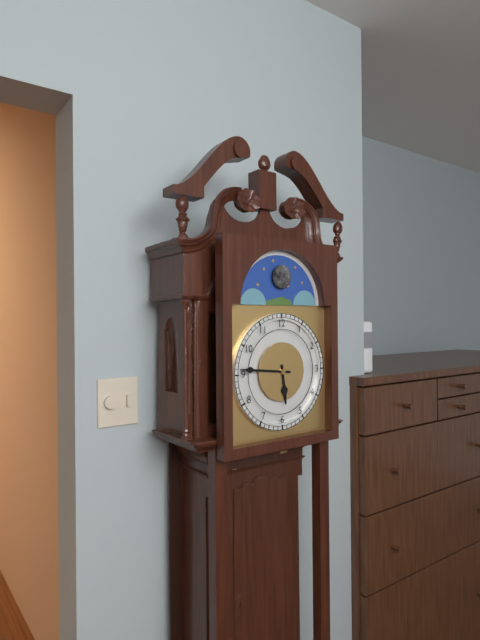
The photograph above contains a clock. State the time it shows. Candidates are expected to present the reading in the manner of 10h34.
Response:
5h46
